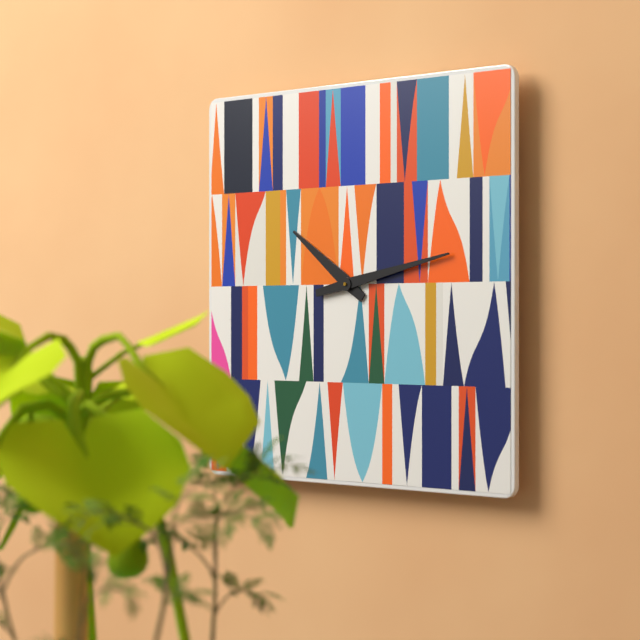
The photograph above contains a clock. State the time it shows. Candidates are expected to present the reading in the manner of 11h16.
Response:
10h13
